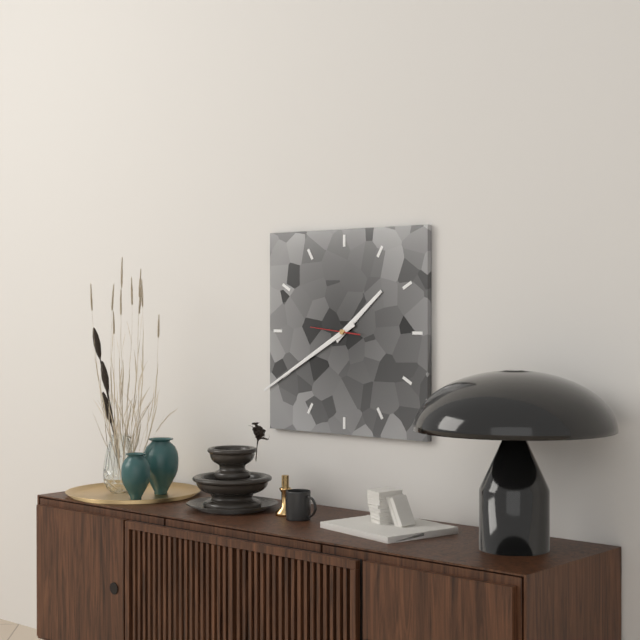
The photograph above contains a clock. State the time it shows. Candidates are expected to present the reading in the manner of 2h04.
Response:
1h40
